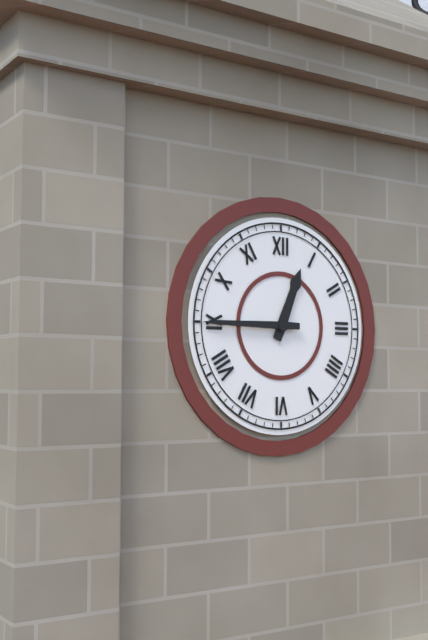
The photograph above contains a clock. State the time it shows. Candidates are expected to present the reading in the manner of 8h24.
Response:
12h45
